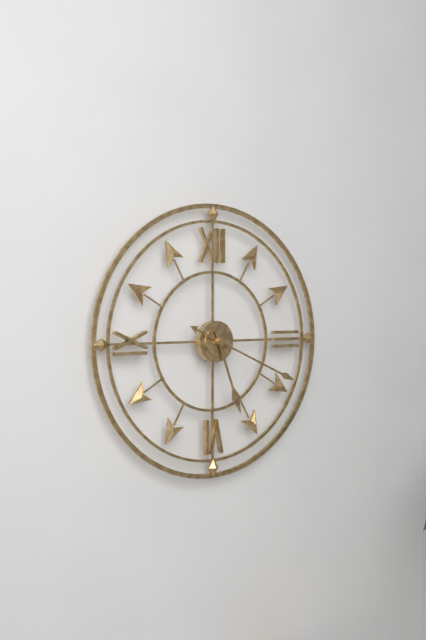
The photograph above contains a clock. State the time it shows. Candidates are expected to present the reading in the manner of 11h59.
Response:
5h19
